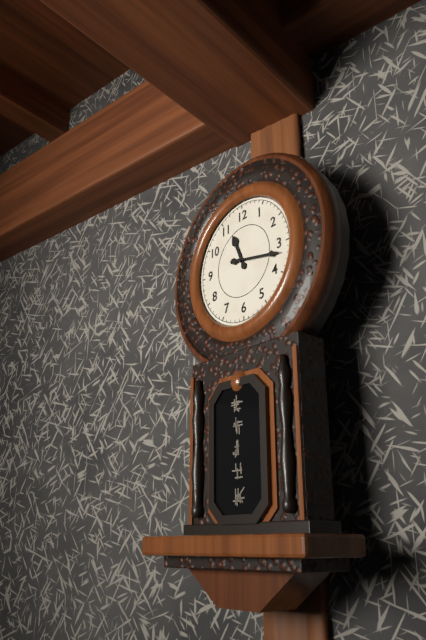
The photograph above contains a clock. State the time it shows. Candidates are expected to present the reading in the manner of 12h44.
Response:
11h17
